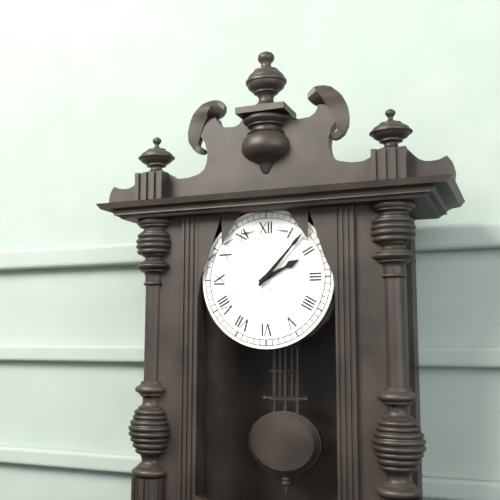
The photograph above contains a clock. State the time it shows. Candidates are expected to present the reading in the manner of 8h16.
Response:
2h07
